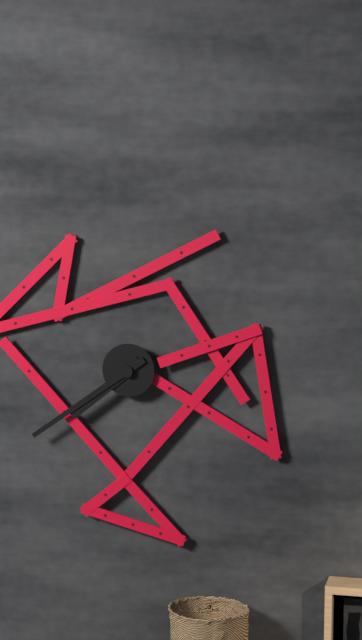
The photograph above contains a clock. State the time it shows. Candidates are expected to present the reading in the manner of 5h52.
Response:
7h39
